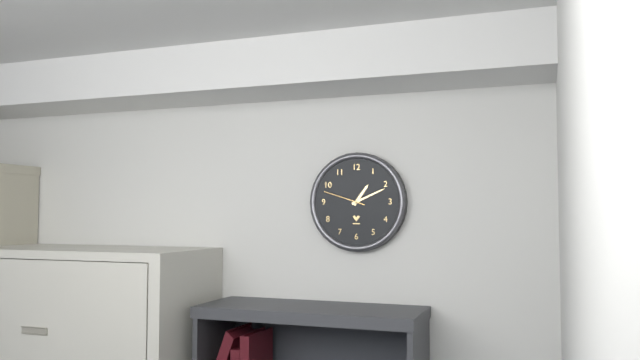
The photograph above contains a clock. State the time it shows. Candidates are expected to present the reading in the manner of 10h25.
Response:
1h11
